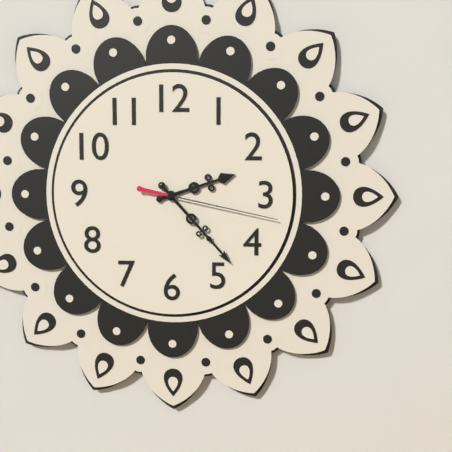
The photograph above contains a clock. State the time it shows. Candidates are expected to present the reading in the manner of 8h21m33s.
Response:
2h23m17s
